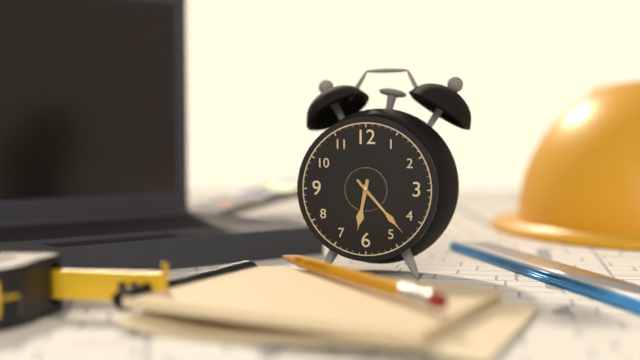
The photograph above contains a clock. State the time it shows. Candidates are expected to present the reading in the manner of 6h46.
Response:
6h23
